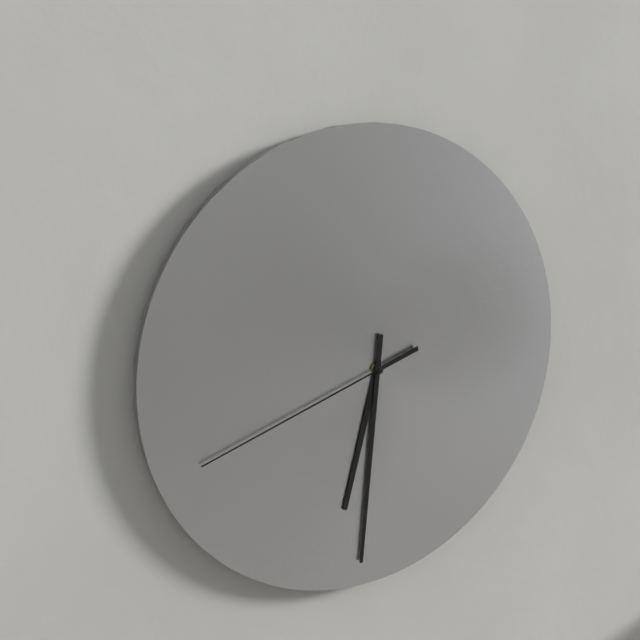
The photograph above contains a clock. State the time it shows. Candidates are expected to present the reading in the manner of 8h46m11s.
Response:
6h31m42s
